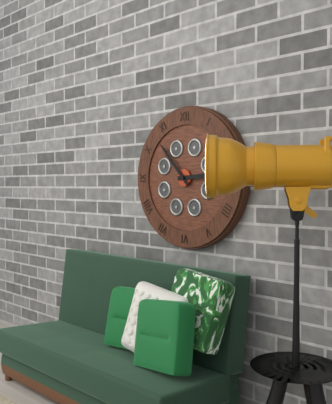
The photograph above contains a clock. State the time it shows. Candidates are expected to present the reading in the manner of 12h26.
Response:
2h53
